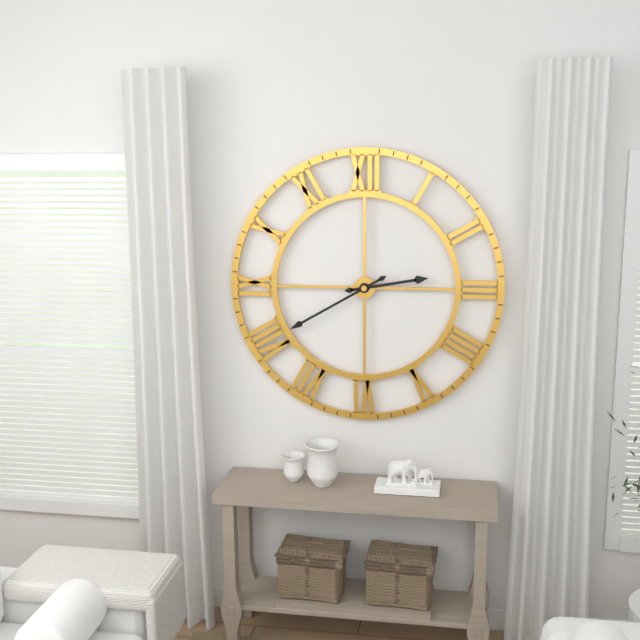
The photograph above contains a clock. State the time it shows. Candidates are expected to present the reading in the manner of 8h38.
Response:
2h40
